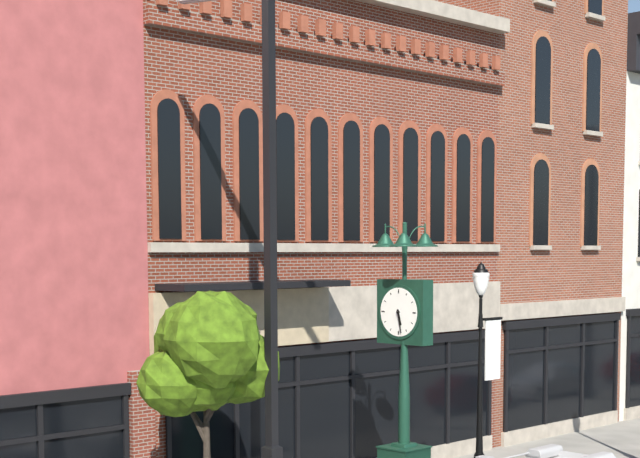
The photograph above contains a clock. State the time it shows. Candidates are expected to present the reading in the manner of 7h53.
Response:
5h28
